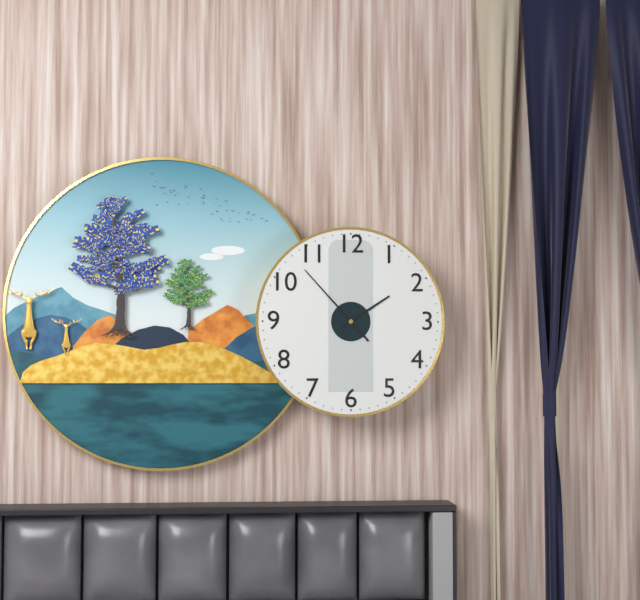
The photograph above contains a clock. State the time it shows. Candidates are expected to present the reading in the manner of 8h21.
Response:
1h53
